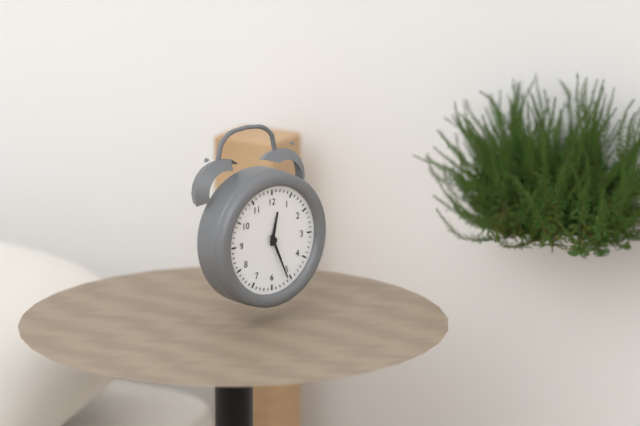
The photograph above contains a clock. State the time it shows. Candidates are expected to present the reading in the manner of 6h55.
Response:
12h26
